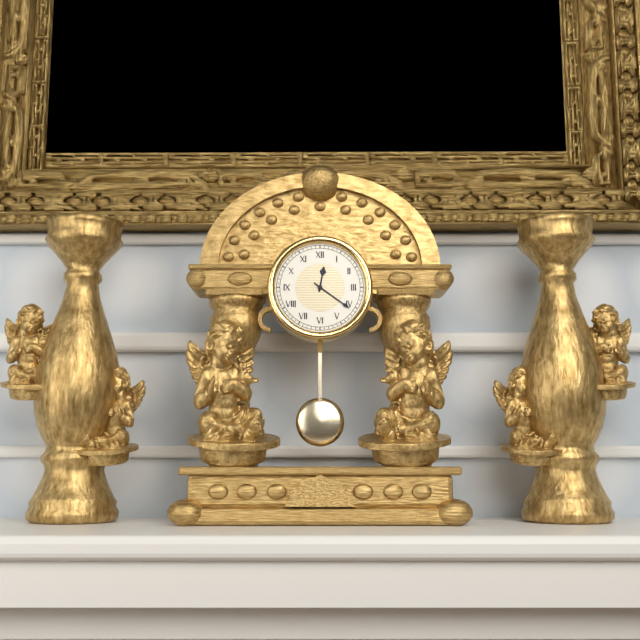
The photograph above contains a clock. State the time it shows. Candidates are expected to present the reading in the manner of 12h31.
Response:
12h21
